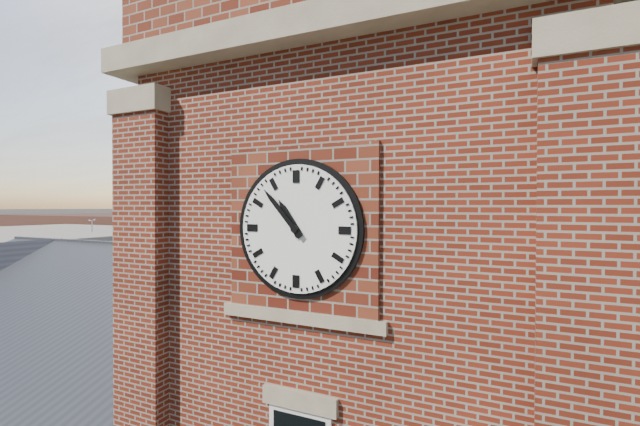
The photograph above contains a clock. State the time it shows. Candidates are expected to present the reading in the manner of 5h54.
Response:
10h53
